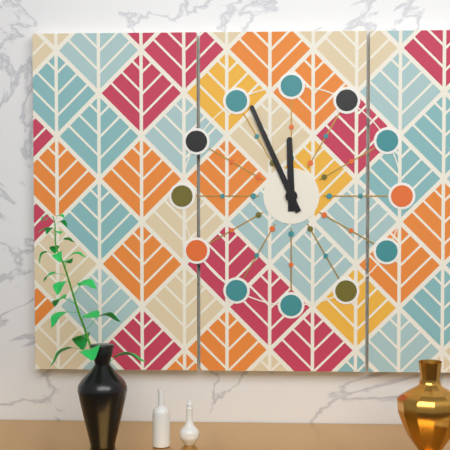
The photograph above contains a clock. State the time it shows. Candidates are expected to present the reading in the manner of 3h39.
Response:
11h56
